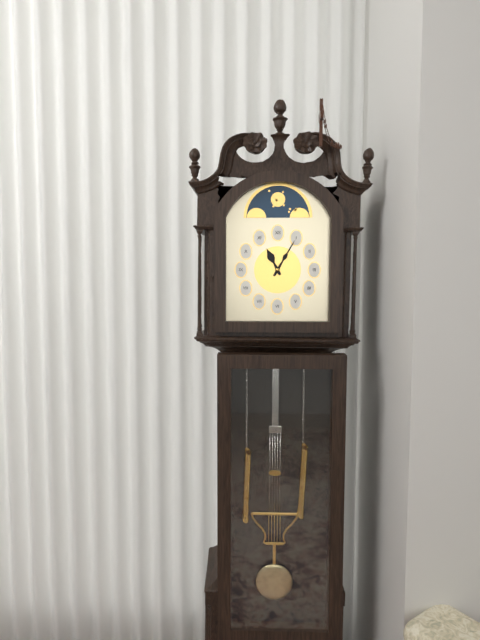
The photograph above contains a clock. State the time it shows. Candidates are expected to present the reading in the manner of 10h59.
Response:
11h05
